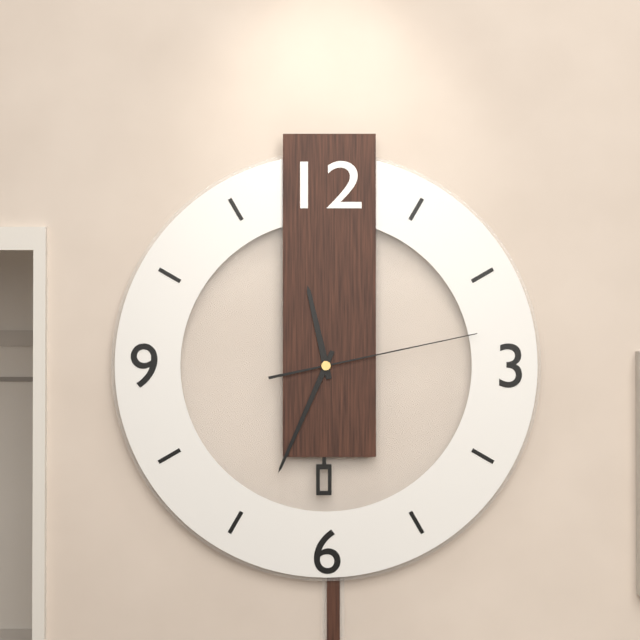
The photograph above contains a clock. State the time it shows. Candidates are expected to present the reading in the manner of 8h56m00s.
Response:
11h34m13s
